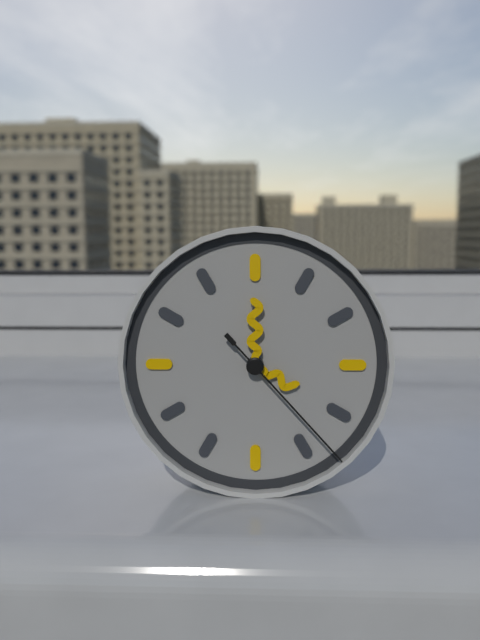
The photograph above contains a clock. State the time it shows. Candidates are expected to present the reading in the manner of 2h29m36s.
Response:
4h00m23s
